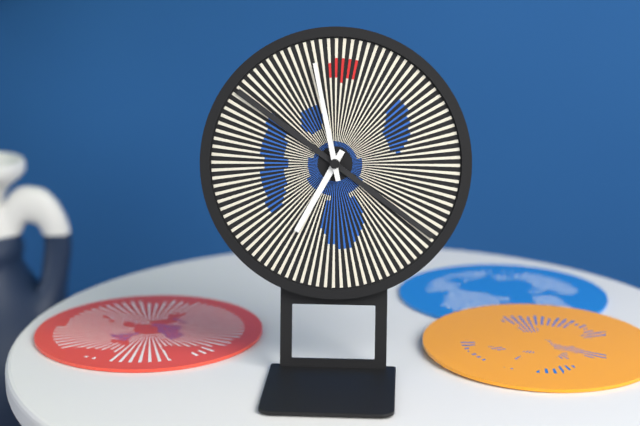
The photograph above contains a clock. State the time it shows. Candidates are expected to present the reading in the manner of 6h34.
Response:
6h58
